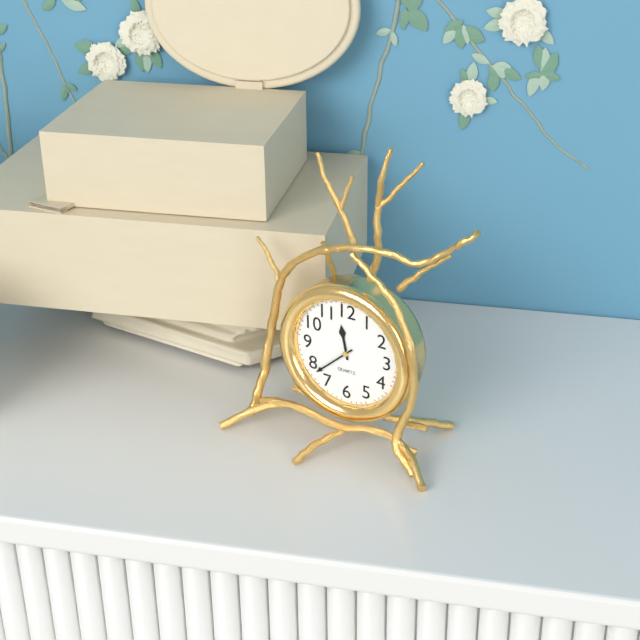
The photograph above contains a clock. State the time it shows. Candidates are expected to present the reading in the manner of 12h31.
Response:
11h38
